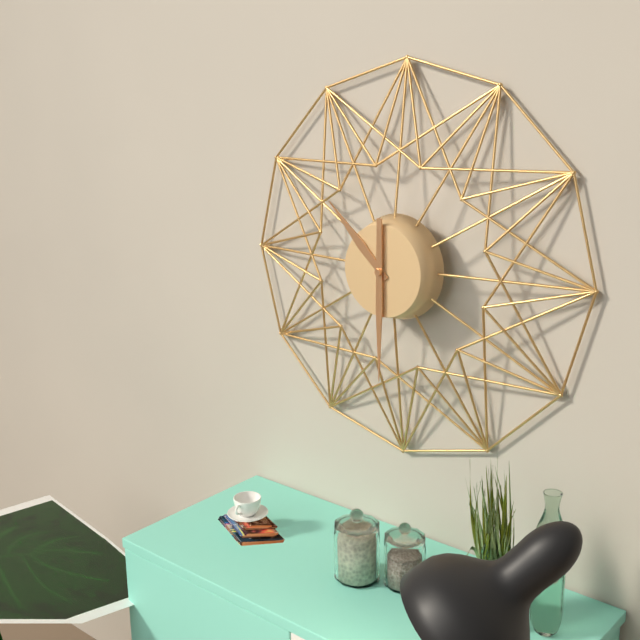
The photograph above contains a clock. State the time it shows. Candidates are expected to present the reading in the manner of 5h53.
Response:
10h30
